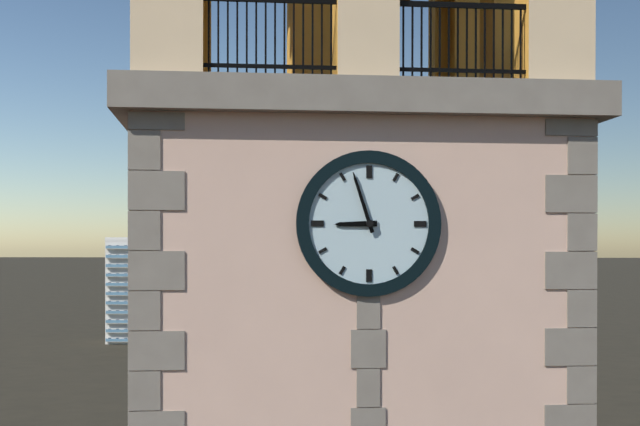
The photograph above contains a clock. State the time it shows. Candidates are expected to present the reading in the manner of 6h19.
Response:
8h57
